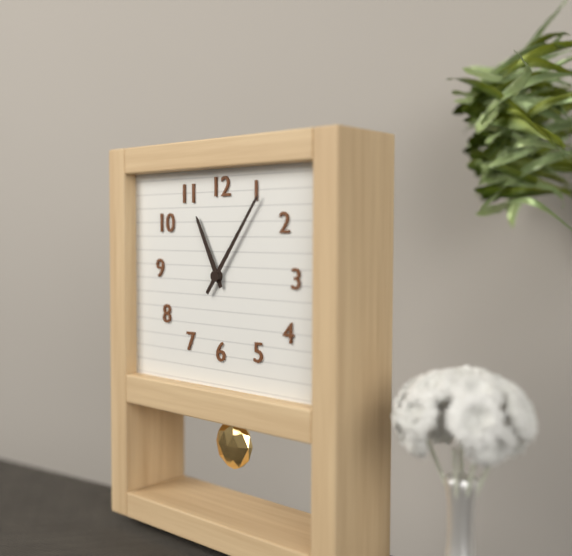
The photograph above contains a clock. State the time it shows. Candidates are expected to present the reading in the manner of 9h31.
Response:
11h06
